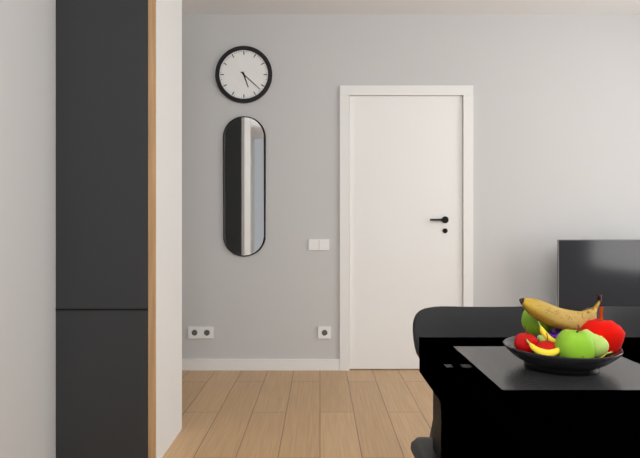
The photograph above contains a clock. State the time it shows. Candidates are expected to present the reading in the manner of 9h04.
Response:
5h22
